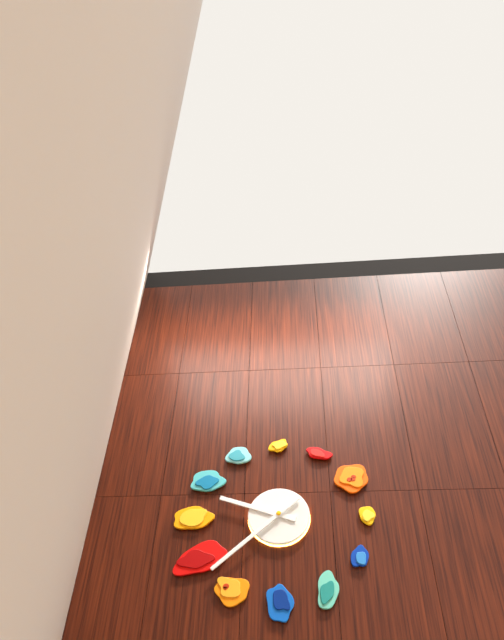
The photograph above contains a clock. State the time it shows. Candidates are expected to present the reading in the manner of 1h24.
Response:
9h38
